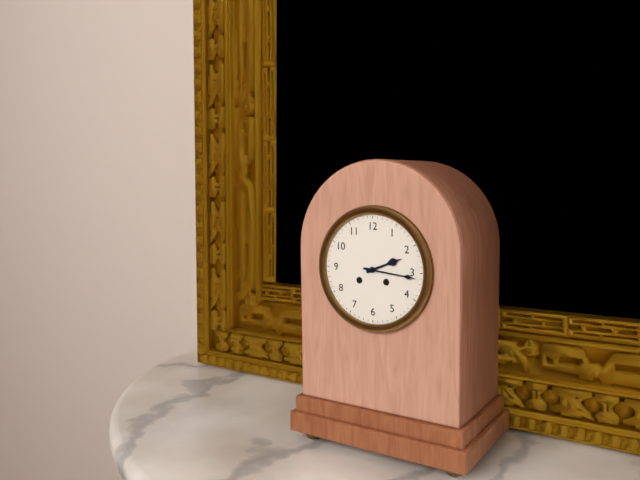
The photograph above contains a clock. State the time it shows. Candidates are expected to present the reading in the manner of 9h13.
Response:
2h16
